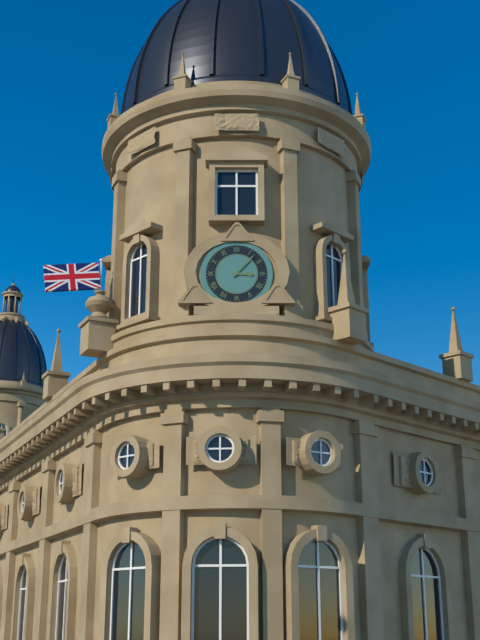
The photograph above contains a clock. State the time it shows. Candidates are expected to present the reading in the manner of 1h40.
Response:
3h07
